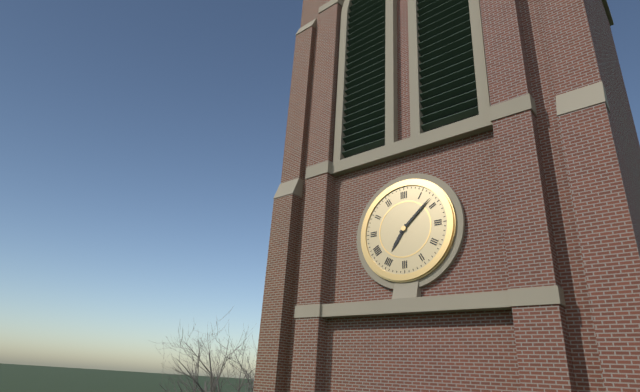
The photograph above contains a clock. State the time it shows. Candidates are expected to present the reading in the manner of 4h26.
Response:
7h08
